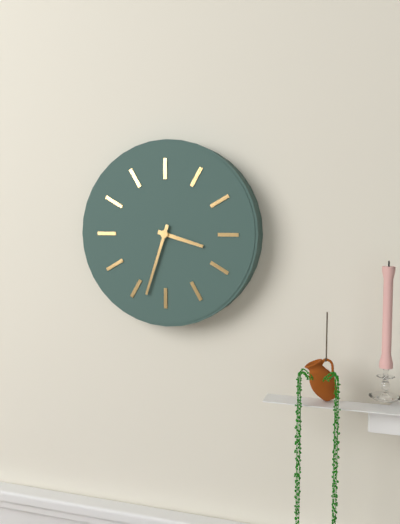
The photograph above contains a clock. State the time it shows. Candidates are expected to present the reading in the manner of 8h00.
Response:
3h33
